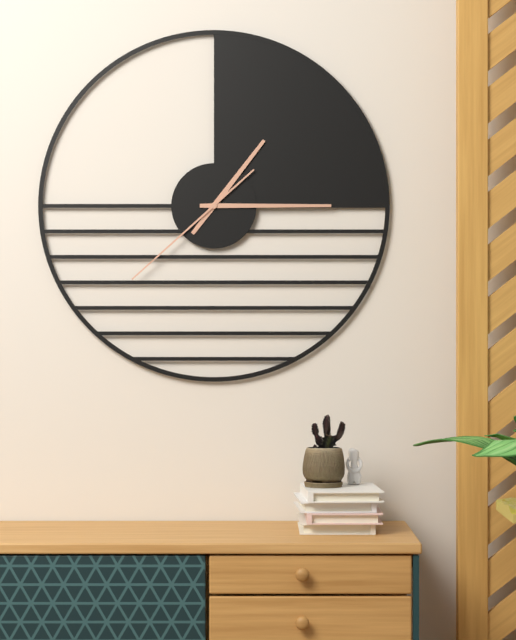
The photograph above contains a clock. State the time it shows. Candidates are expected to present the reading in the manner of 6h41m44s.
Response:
1h15m38s
